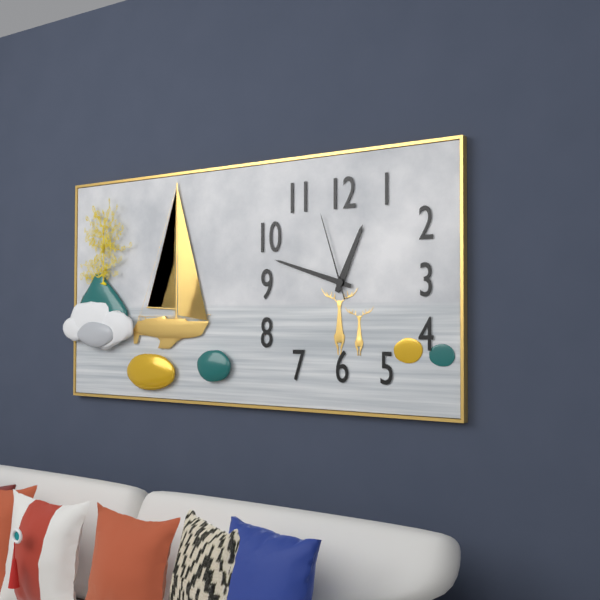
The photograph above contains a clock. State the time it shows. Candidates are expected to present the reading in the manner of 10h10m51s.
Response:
12h48m57s
